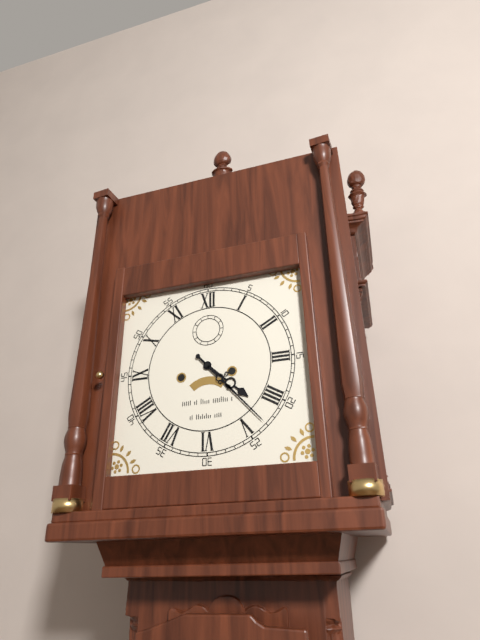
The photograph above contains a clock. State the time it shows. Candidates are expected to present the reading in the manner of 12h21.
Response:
4h23
